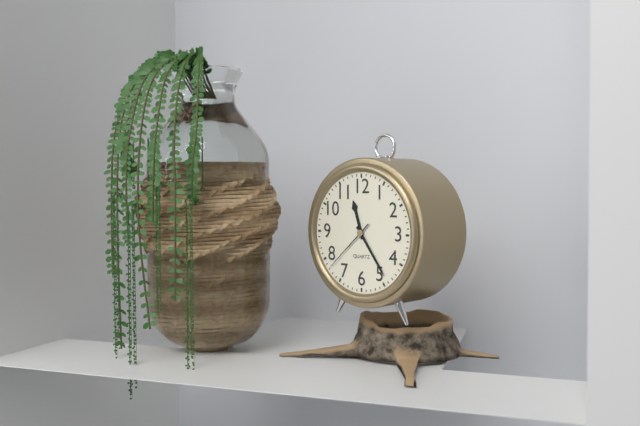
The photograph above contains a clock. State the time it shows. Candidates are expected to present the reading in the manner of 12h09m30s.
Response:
11h24m38s
